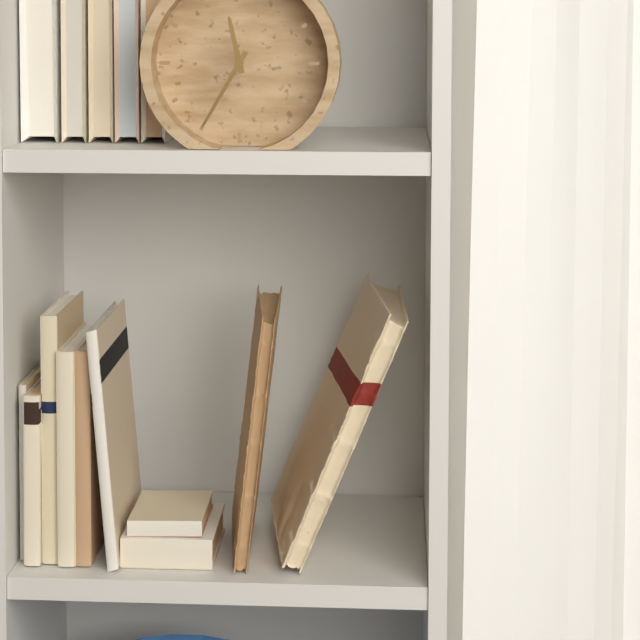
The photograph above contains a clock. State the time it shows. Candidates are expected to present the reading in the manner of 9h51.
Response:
11h35
